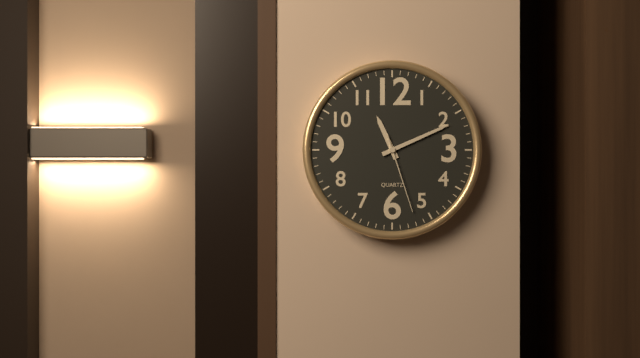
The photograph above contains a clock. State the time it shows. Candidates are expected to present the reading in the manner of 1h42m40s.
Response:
11h11m27s
